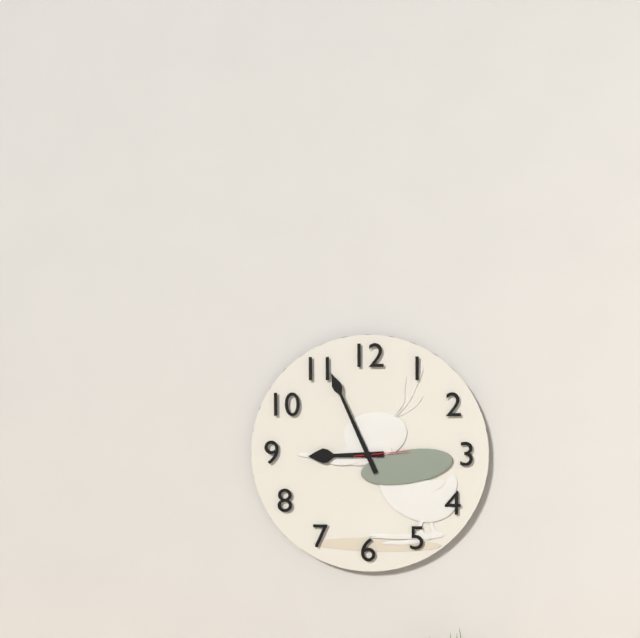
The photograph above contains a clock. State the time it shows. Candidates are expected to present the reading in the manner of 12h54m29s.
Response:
8h56m14s
